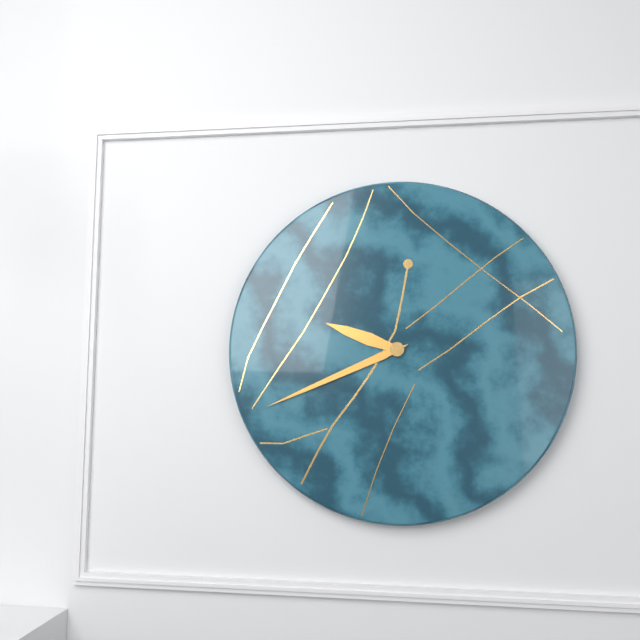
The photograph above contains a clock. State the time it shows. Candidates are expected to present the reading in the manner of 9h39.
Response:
9h41
